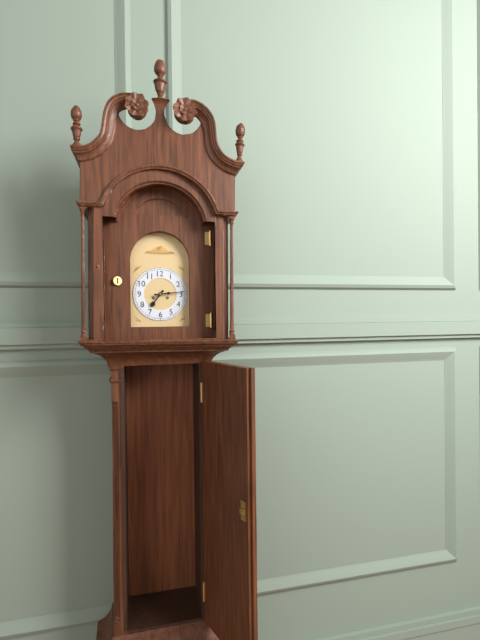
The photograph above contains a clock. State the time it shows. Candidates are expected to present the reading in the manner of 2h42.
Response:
7h14
